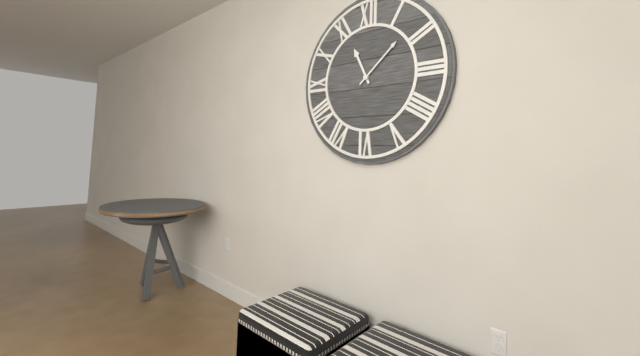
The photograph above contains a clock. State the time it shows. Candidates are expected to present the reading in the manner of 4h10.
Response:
11h08
